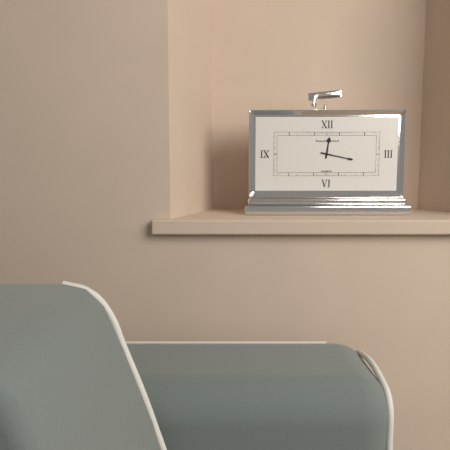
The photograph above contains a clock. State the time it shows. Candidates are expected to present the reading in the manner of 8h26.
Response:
12h17
